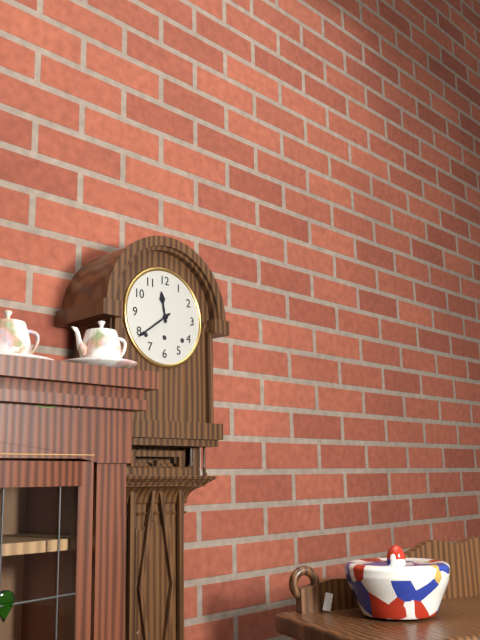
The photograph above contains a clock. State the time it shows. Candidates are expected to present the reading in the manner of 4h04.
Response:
11h39
